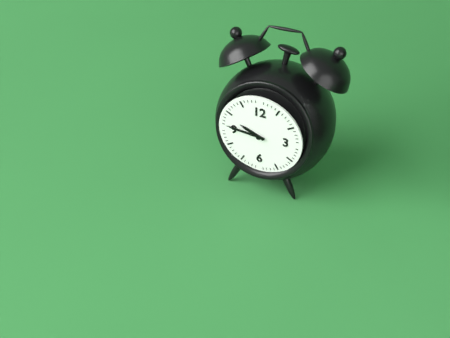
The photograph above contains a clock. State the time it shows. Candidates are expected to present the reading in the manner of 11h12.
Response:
9h46
